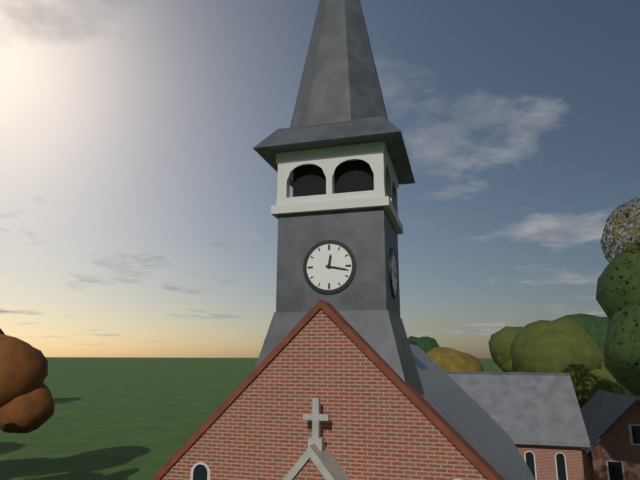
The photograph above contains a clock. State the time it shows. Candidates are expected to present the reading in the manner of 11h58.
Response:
12h17
